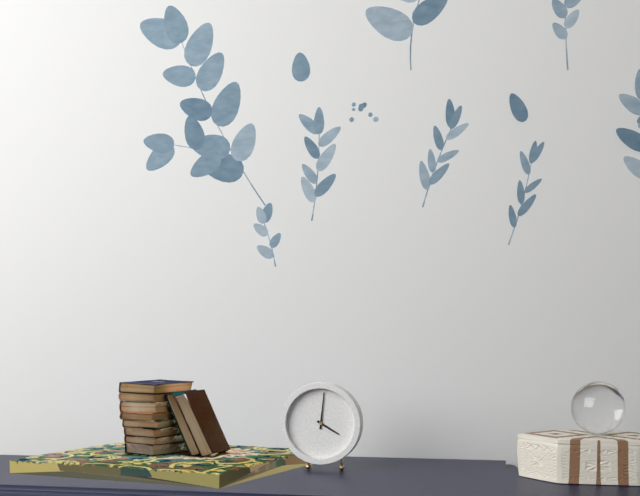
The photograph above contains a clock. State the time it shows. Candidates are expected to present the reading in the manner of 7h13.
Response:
4h01
